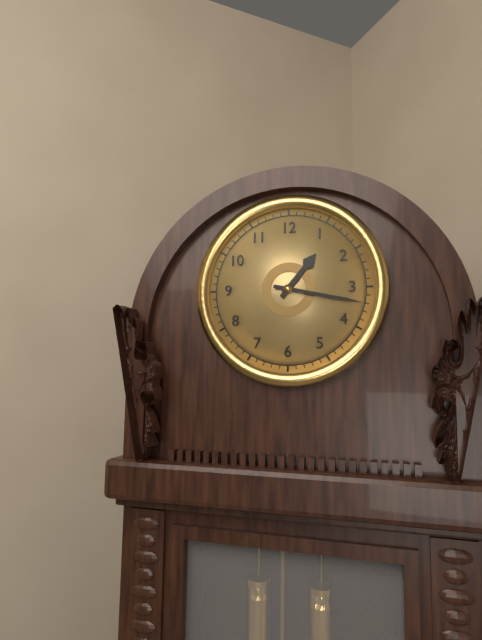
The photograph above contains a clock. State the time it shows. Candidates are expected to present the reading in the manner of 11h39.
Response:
1h17
